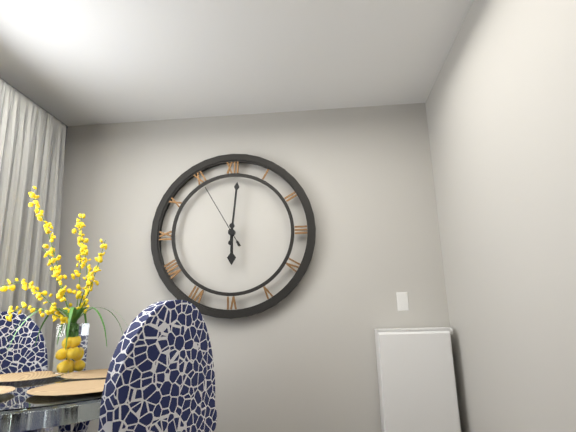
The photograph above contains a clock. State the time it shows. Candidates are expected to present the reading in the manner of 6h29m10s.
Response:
6h01m55s
